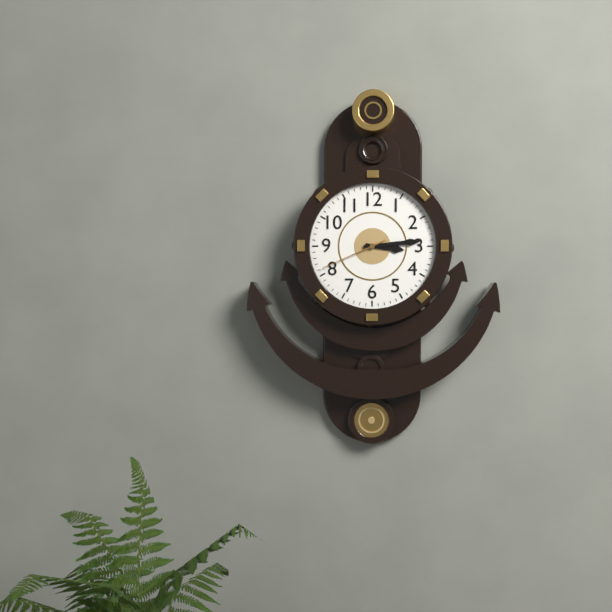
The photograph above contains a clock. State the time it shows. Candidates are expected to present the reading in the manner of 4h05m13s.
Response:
3h14m41s
